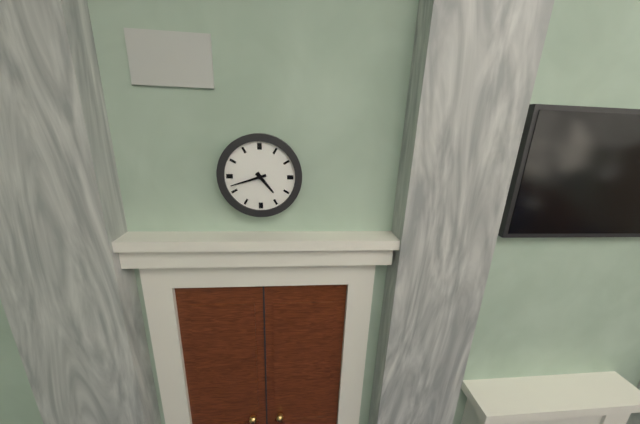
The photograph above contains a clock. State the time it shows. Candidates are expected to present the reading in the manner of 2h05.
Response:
4h42
